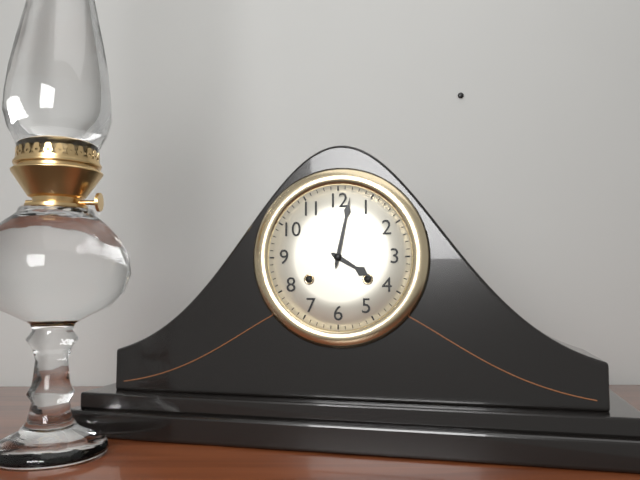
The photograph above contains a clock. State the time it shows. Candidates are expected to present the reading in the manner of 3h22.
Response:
4h02
